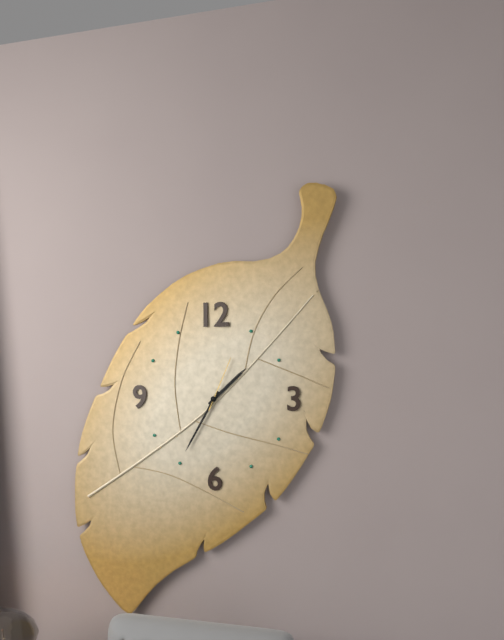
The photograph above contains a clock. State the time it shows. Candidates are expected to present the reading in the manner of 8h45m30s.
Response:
1h35m04s
